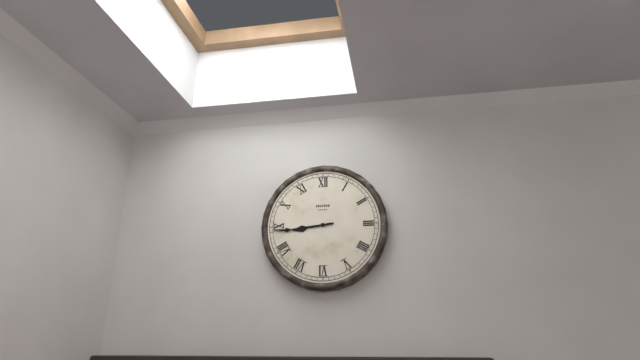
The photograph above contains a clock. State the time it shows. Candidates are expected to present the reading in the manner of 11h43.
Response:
8h44
